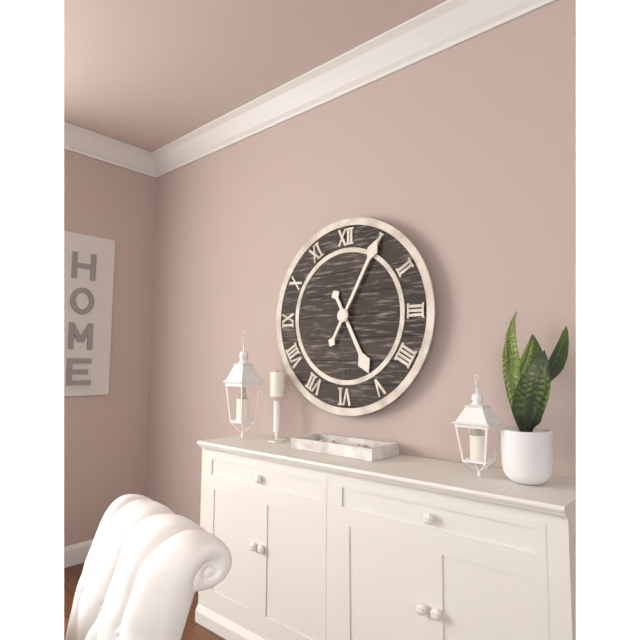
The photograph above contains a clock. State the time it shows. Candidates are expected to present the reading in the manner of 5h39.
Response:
5h05
